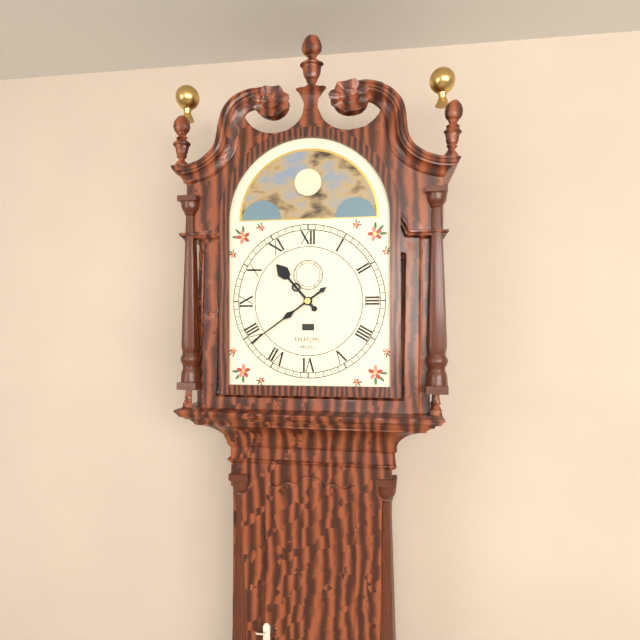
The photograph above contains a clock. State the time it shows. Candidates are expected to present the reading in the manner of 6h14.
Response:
10h39
